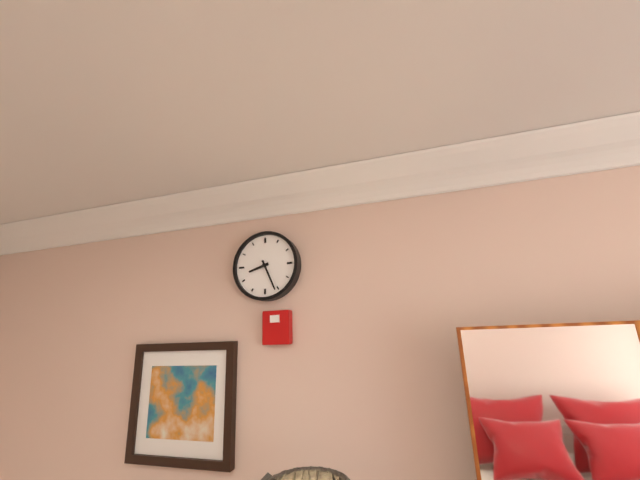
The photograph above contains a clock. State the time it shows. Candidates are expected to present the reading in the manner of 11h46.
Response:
8h26
